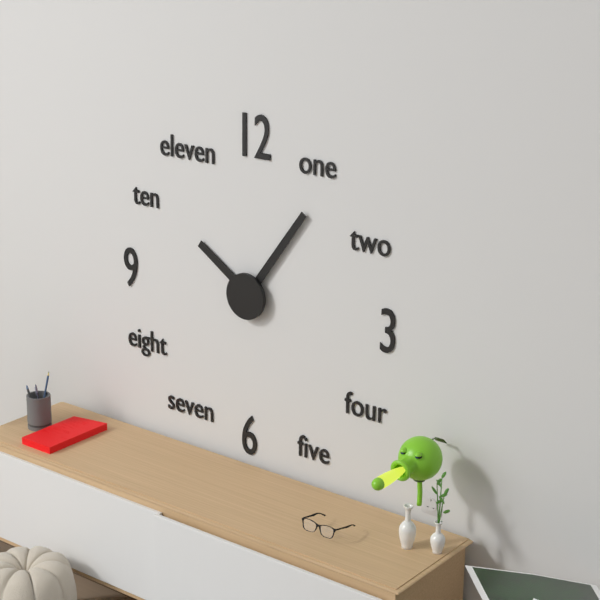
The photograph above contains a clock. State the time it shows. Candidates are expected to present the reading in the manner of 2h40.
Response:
10h06
